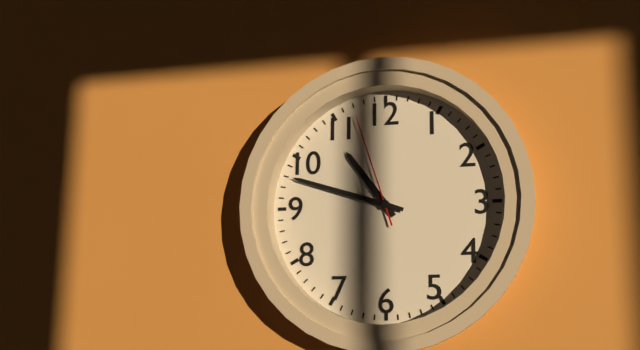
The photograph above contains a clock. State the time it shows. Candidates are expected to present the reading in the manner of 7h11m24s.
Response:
10h48m57s
